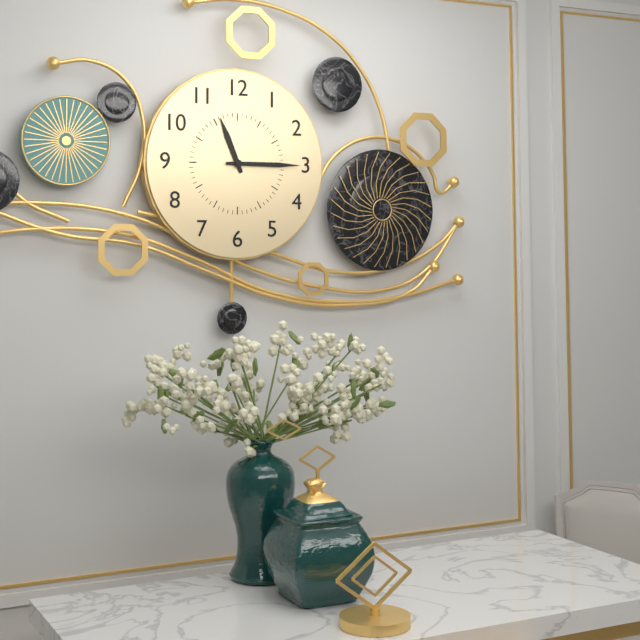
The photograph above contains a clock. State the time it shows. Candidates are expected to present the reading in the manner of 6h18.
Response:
11h15
